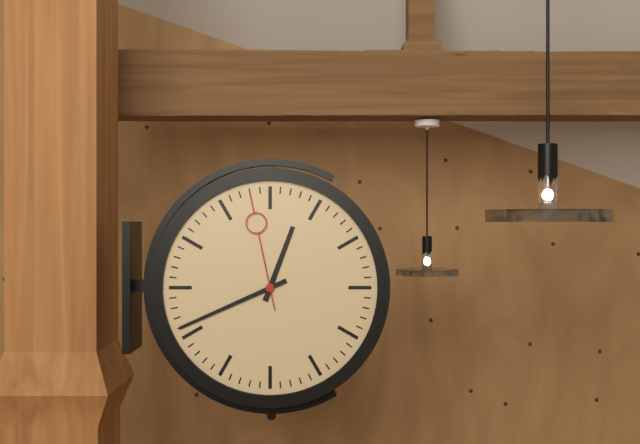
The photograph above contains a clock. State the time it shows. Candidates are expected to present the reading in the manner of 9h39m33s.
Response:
12h41m58s
